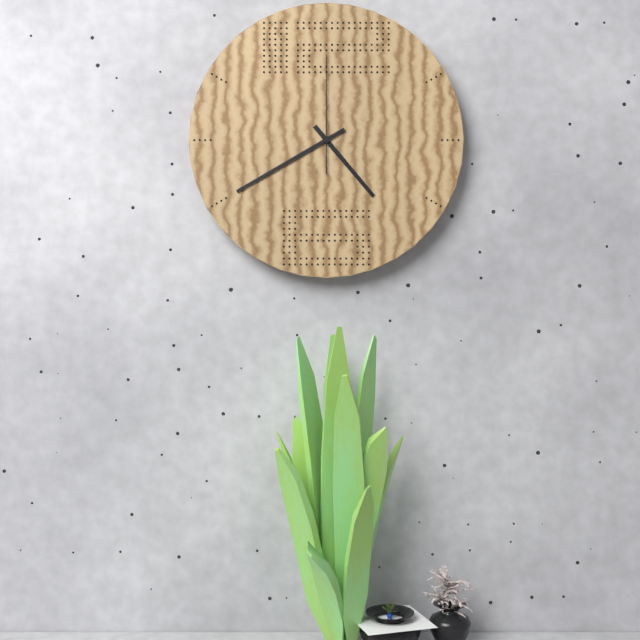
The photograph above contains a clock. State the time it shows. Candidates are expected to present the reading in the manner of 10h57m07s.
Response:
4h40m00s
